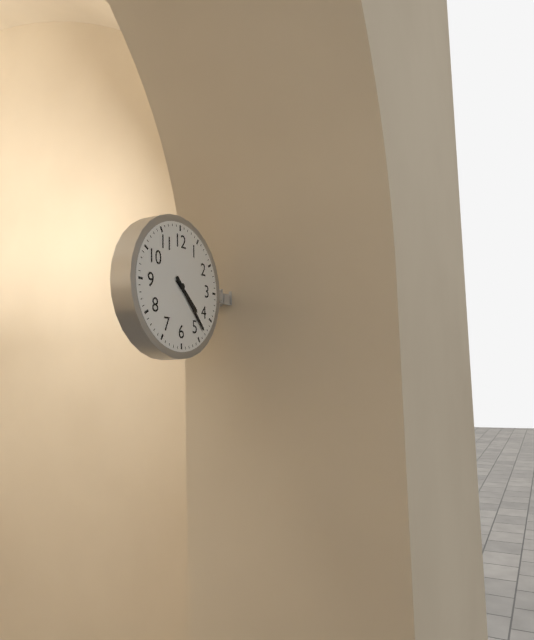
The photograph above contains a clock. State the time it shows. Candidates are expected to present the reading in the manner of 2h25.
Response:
4h23
